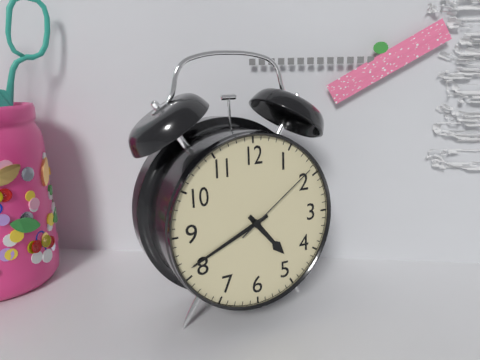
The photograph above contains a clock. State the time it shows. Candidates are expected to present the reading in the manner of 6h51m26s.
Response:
4h41m09s
